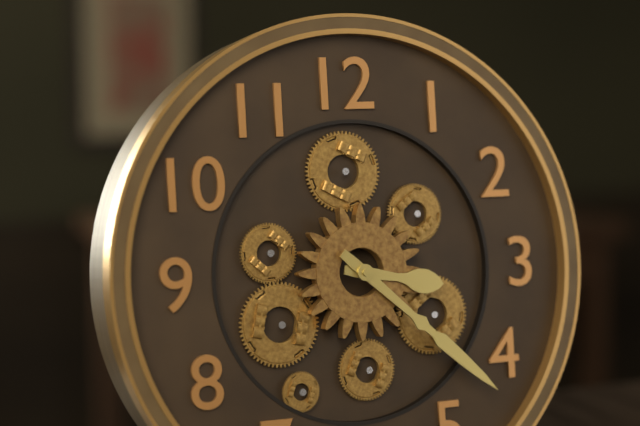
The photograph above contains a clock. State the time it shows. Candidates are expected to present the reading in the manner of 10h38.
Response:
3h22
